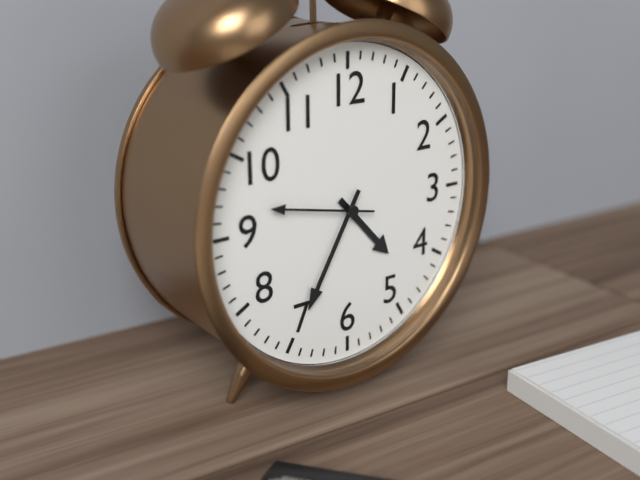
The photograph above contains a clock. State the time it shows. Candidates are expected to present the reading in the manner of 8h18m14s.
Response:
4h35m47s
